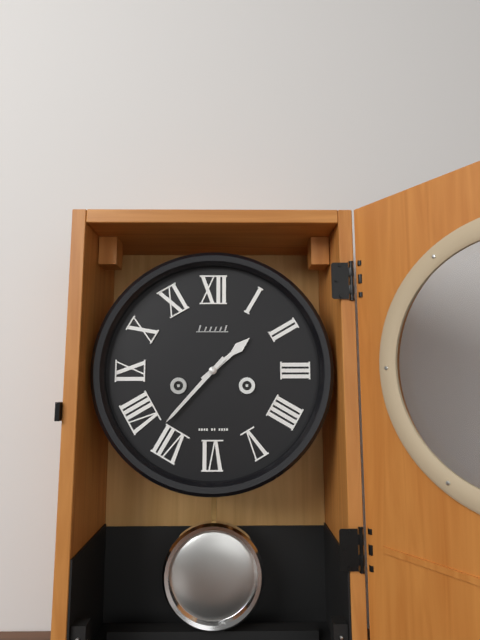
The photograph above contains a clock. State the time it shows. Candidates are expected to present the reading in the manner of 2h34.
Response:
1h37
